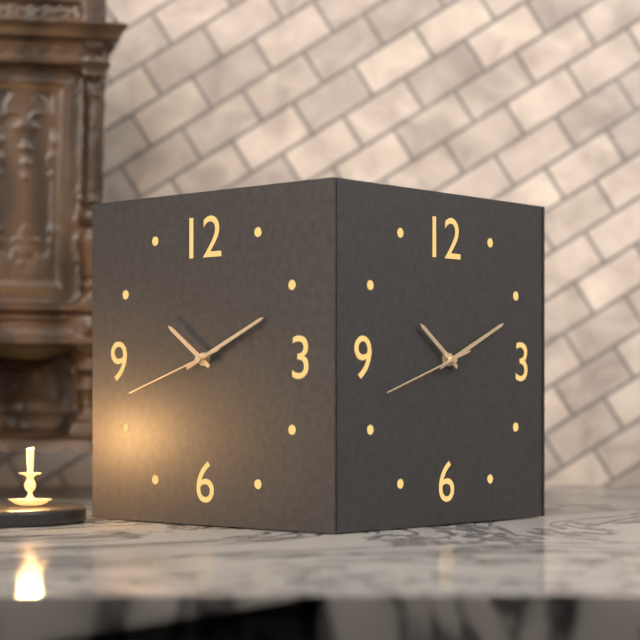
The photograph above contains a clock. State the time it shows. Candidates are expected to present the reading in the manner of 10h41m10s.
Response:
10h11m42s
